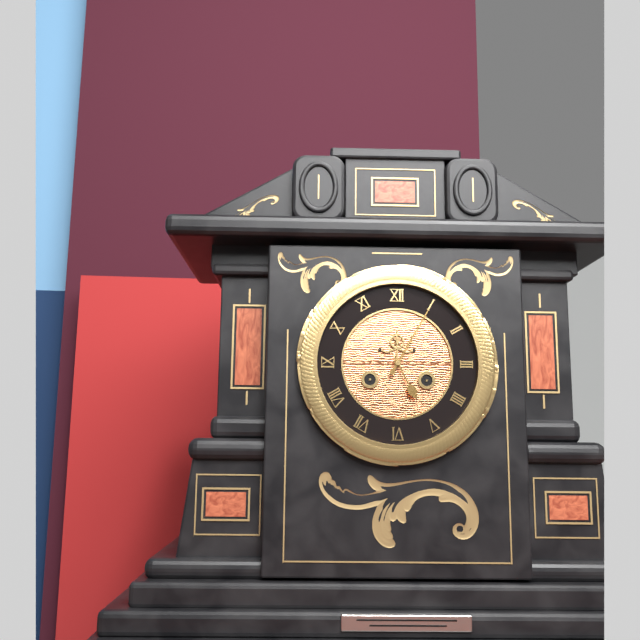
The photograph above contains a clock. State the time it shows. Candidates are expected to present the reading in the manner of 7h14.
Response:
5h05
